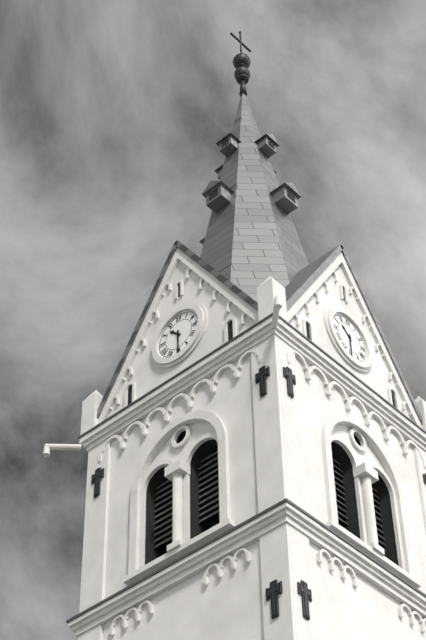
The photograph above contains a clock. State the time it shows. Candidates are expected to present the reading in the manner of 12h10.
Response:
10h30
